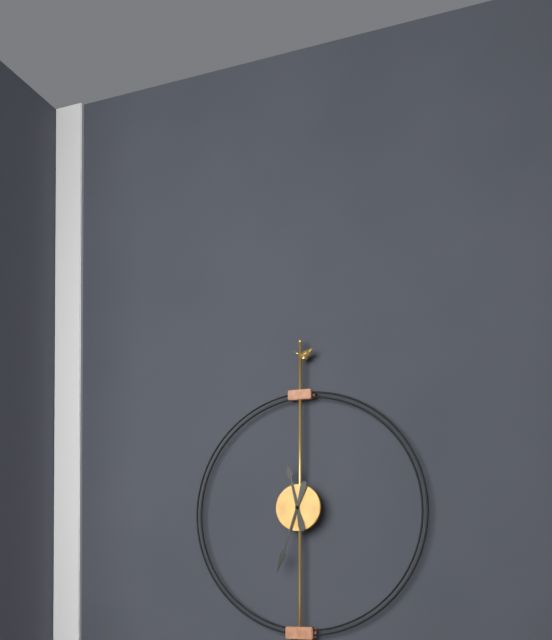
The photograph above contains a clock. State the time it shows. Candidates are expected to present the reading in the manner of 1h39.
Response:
11h33
